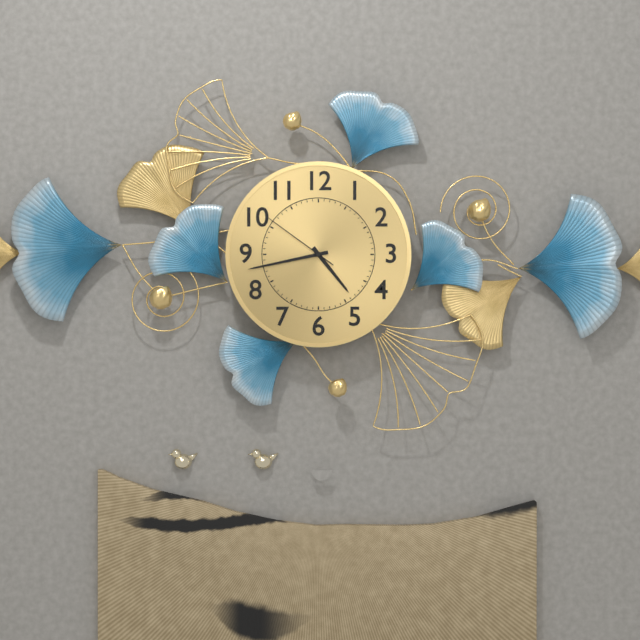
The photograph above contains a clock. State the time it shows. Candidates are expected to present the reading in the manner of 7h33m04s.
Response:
4h43m51s
